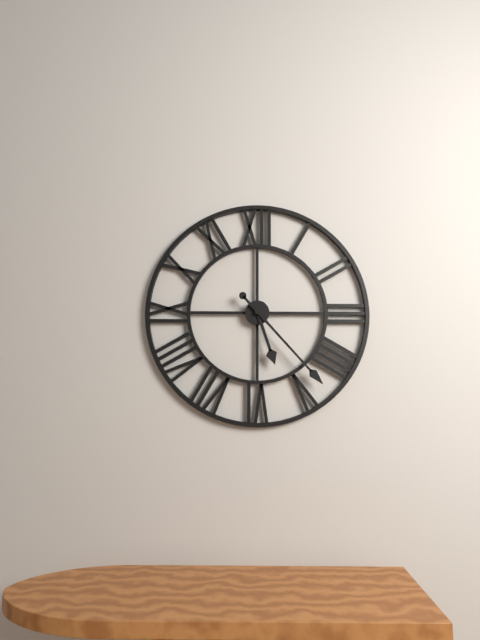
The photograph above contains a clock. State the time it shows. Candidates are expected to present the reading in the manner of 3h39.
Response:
5h23
